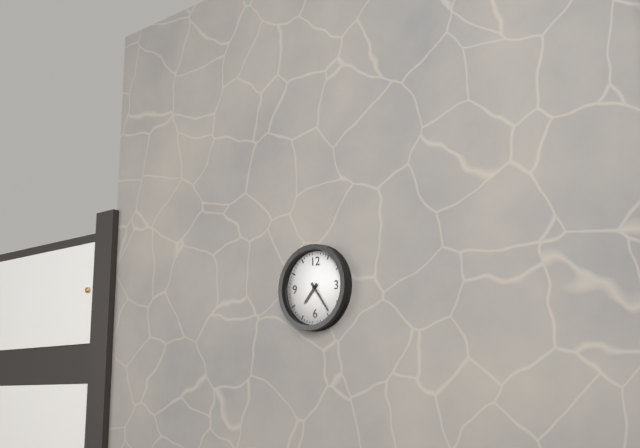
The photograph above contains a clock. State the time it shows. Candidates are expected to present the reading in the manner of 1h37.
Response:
7h24
